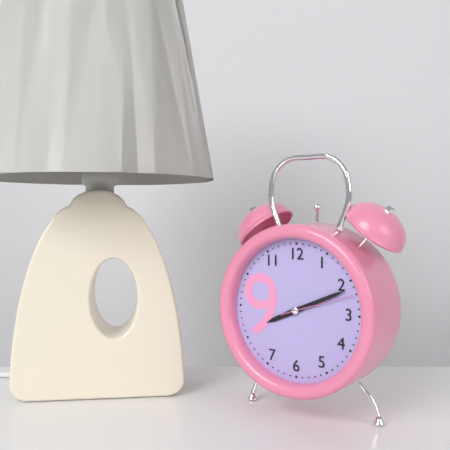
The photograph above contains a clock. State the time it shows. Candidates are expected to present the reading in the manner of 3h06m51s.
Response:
8h11m12s
